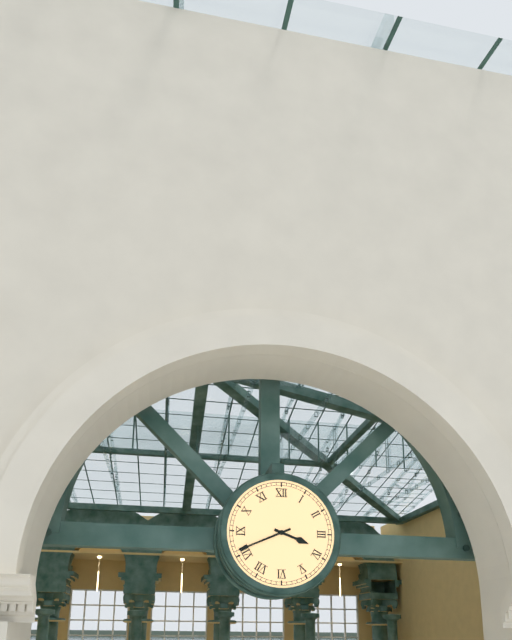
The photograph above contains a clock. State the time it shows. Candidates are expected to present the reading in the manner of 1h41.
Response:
3h41
